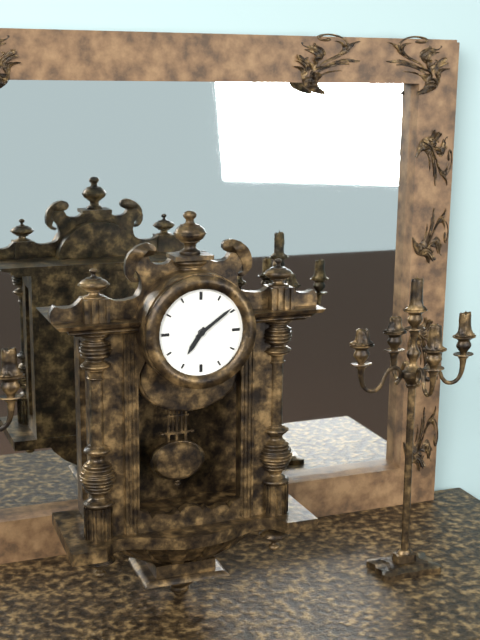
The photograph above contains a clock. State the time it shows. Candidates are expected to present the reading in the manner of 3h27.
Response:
7h09
